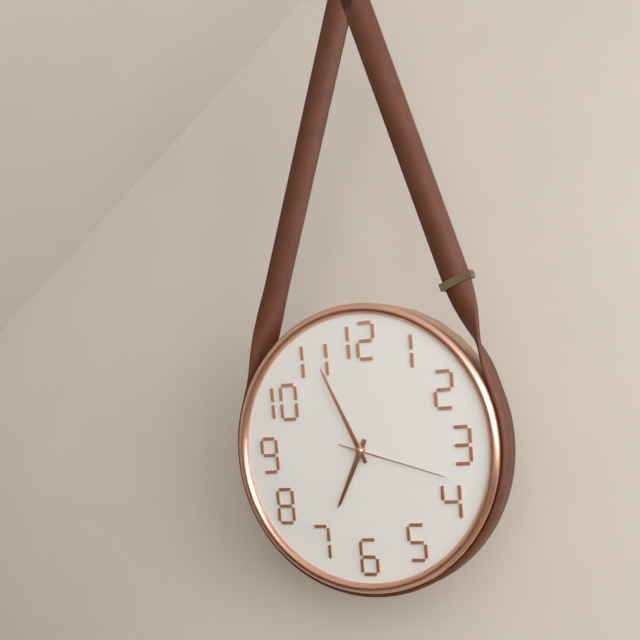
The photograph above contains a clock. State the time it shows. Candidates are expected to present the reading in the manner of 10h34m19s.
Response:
6h56m18s
